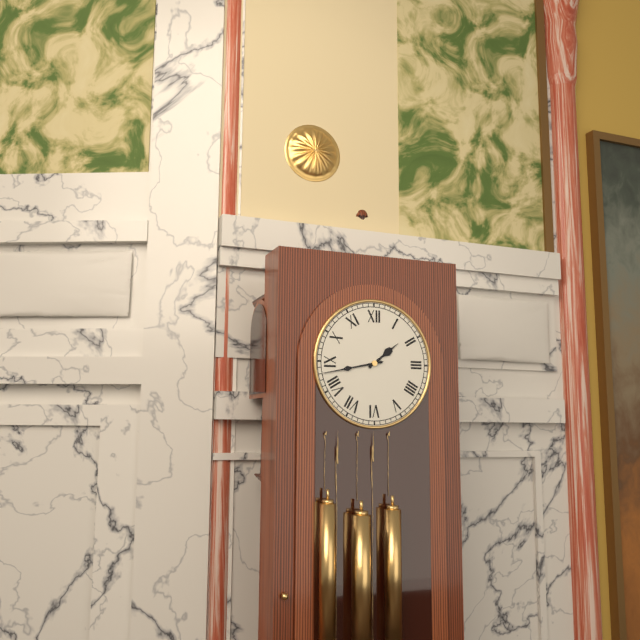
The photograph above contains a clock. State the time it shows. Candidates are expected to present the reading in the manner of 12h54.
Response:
1h43
